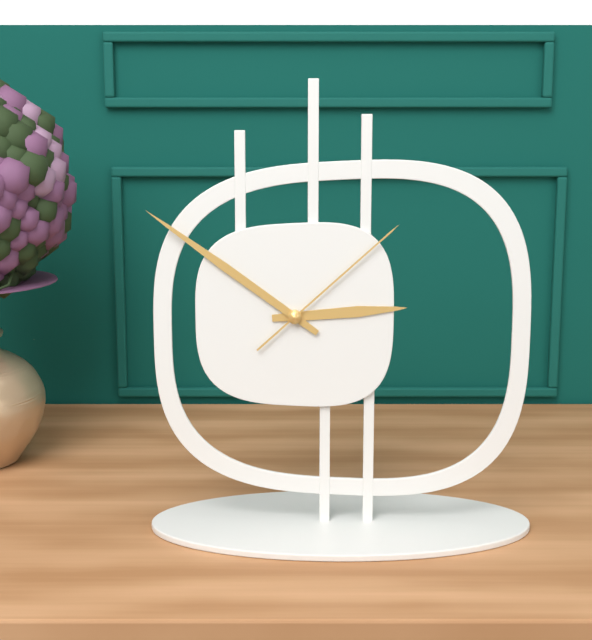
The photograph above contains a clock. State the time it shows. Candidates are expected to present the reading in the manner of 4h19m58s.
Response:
2h51m08s
